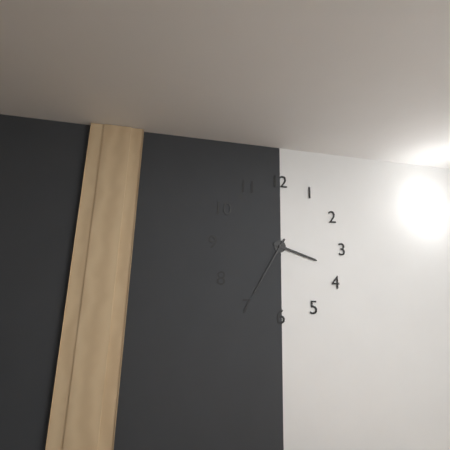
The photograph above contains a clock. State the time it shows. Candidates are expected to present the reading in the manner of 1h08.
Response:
3h35
